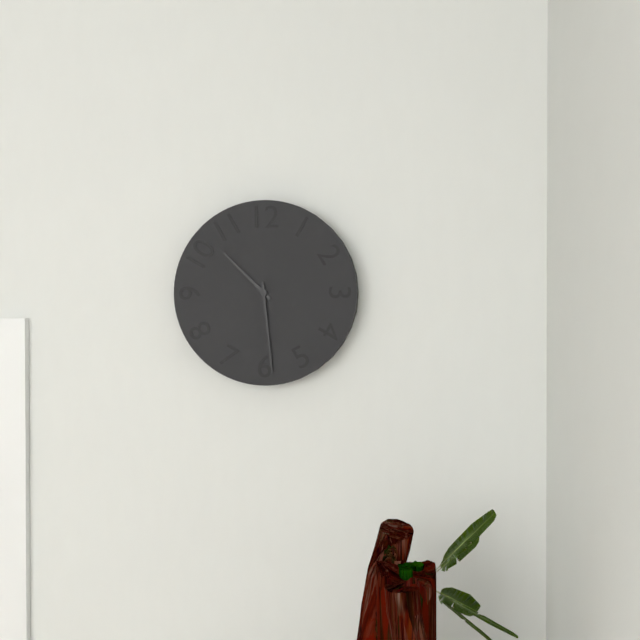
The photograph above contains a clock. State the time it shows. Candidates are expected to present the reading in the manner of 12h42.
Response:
10h29
